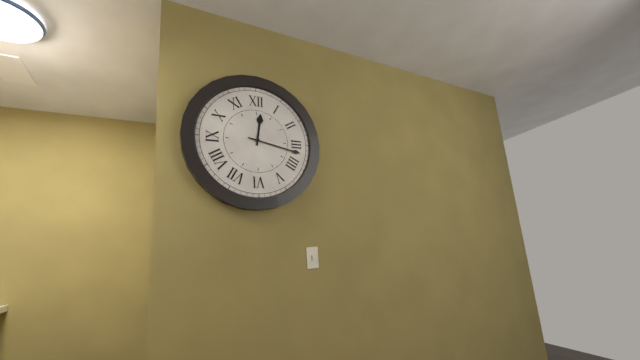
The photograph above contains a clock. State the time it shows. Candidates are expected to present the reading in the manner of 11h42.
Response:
12h17
